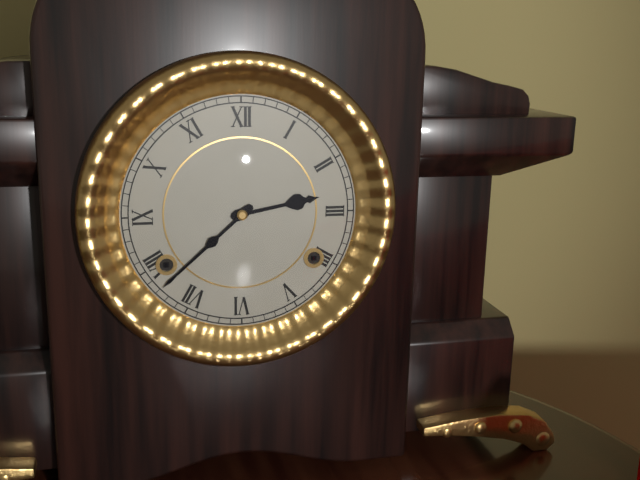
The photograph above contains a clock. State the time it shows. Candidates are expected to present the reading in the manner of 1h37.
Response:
2h38
